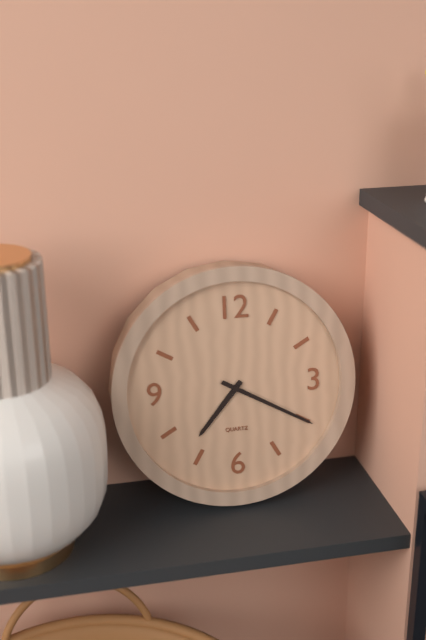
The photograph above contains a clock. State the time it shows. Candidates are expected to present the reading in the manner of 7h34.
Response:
7h20
